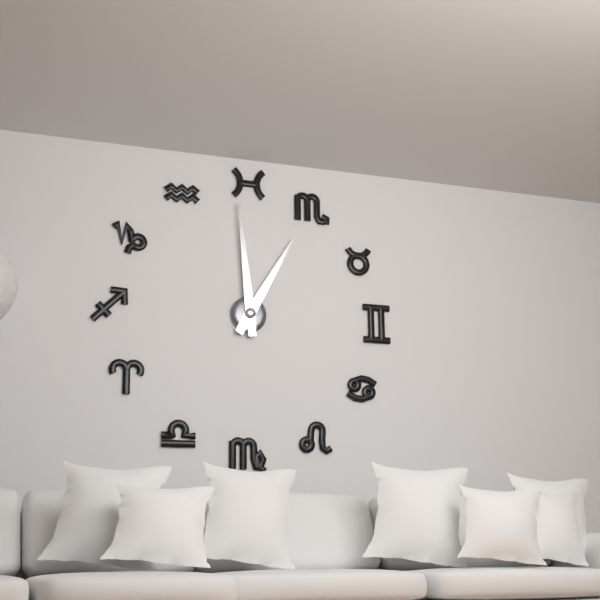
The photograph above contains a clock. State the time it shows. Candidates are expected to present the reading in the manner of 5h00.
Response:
12h59
